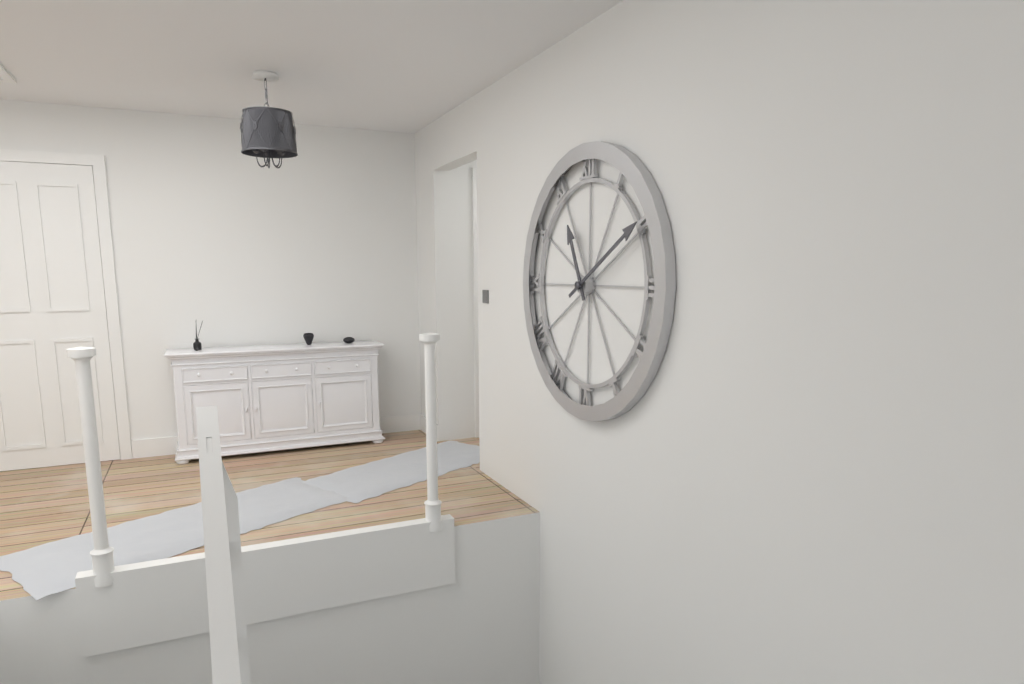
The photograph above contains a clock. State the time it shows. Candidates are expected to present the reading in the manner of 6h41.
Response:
11h10
